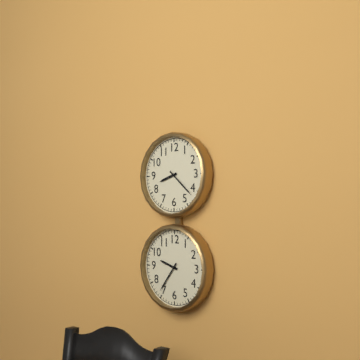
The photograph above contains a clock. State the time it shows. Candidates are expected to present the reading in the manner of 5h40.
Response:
8h22
